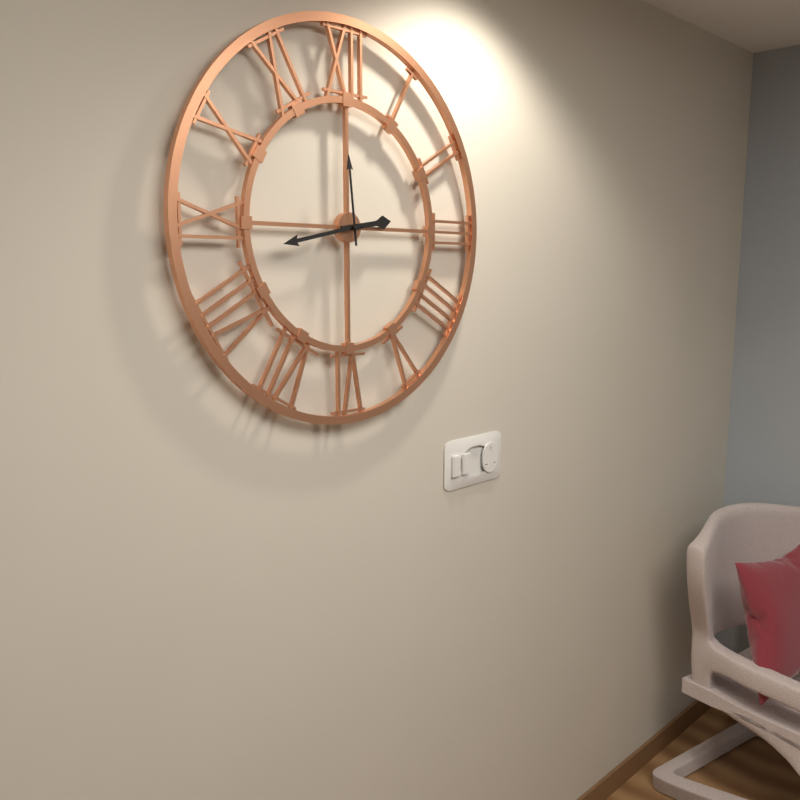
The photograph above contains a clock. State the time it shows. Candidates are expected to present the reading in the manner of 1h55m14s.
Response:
2h43m59s
